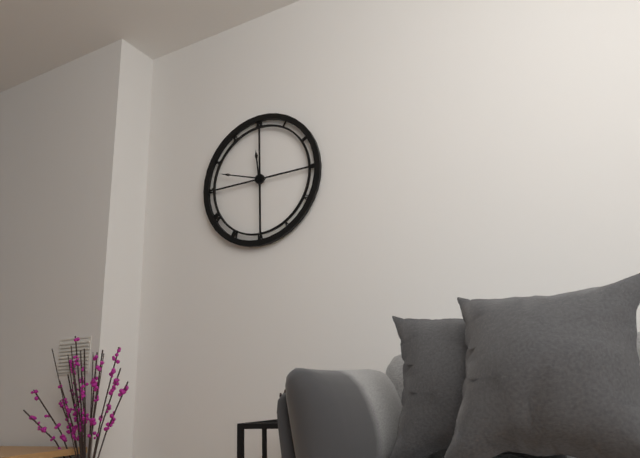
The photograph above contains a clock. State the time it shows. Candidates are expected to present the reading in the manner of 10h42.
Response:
11h48
